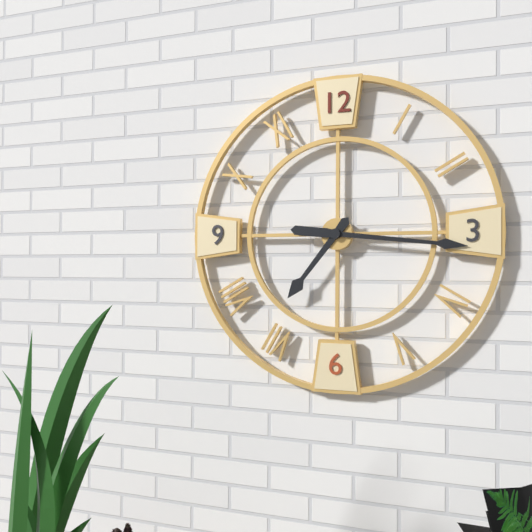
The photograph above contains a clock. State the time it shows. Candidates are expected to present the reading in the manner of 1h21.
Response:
7h16
